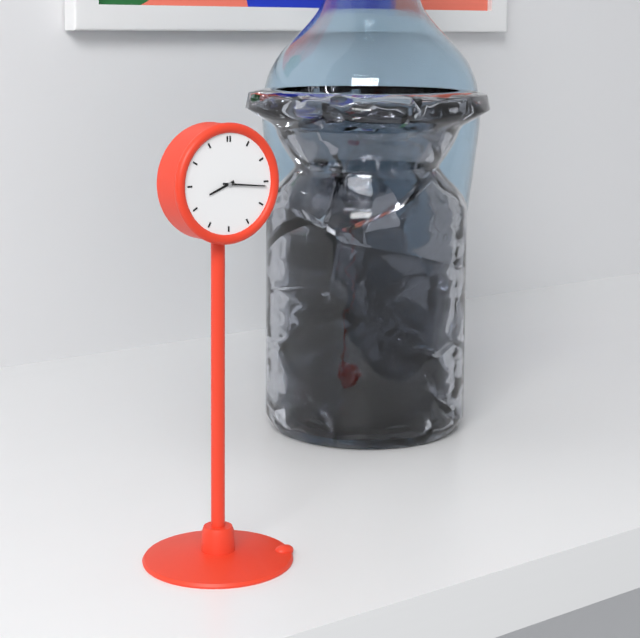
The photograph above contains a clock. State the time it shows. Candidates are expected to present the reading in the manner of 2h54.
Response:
8h16
